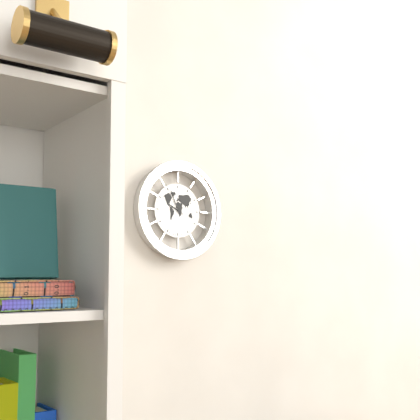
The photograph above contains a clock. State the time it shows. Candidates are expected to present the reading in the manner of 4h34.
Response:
9h56
